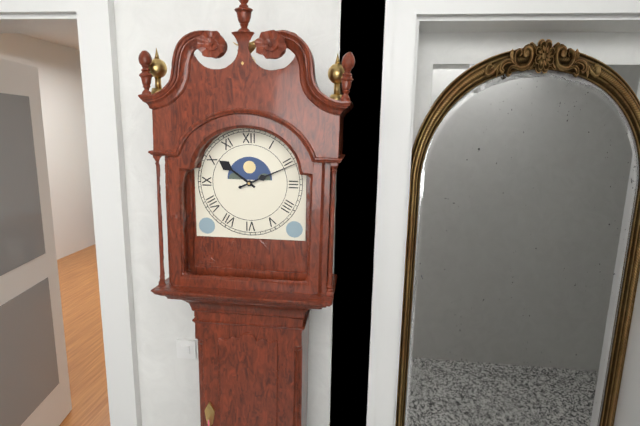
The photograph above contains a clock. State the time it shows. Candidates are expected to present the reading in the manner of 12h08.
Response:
10h11
